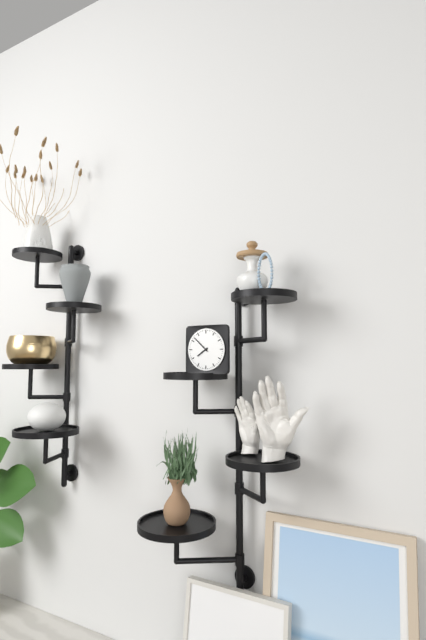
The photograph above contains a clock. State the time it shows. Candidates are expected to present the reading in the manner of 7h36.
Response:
7h52
